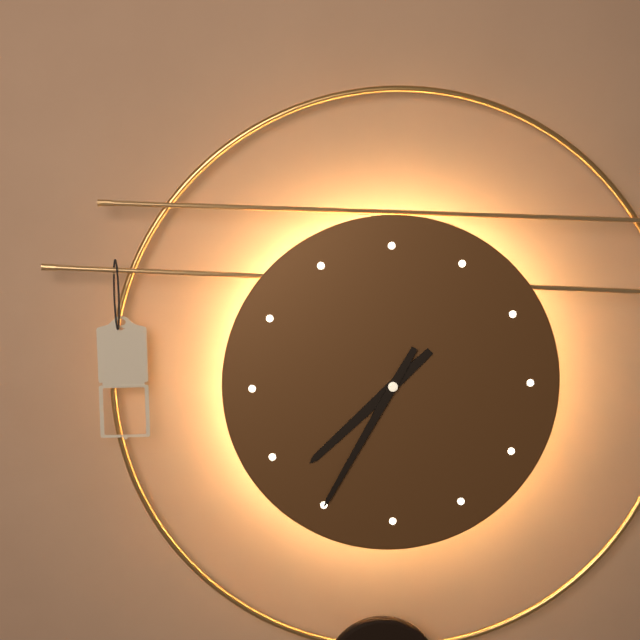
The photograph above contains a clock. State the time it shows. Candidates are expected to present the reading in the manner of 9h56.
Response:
7h35
